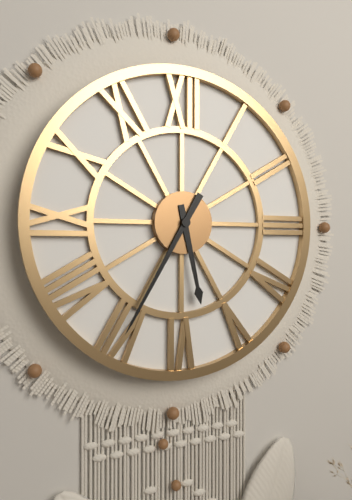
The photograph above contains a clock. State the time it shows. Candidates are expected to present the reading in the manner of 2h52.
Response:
5h35
